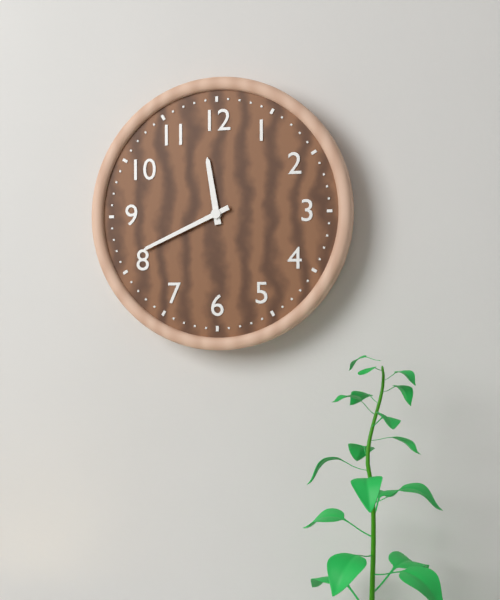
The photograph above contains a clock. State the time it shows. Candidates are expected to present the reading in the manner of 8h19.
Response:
11h41
